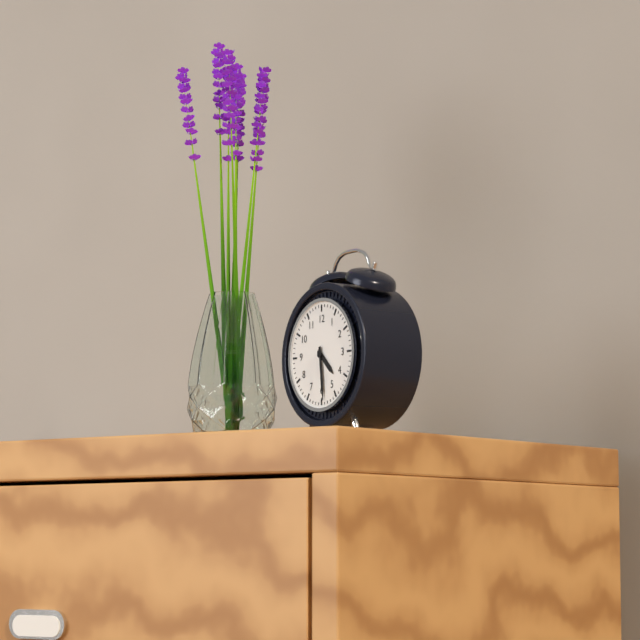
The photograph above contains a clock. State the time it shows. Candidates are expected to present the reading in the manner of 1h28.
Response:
4h29
